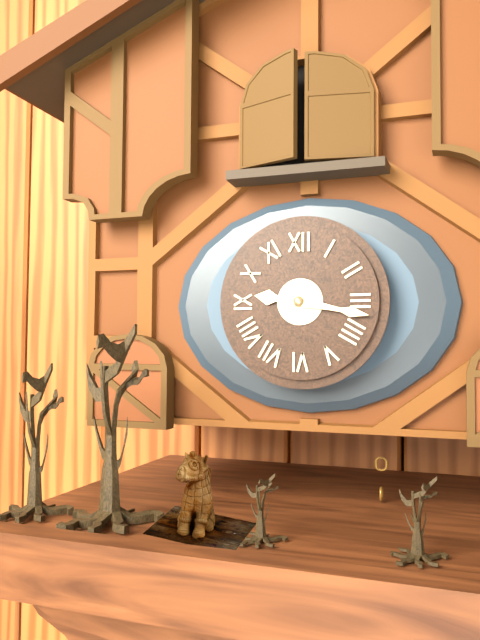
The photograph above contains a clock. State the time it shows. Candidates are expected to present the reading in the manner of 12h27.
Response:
9h17
